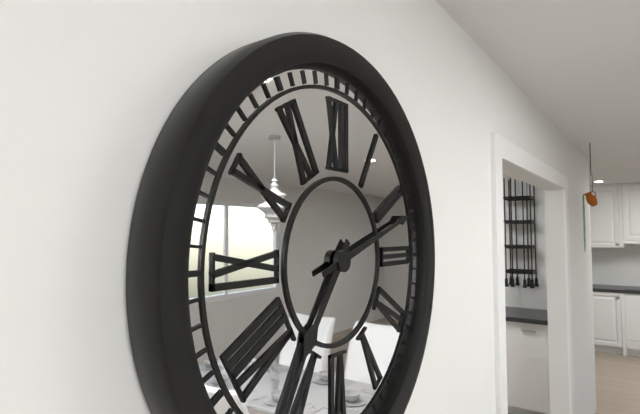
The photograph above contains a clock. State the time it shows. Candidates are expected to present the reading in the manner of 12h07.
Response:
7h12
